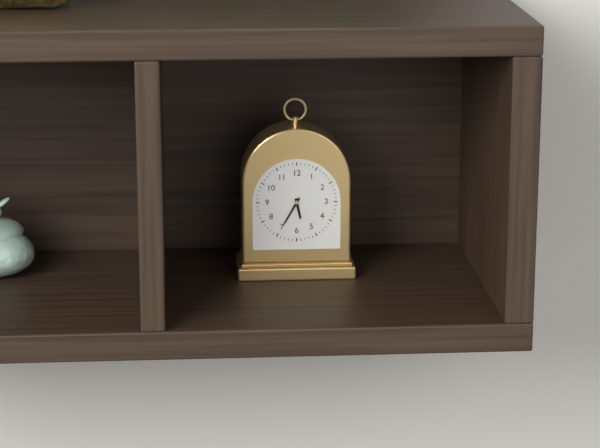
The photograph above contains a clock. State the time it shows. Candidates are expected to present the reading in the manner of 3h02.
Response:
5h35
